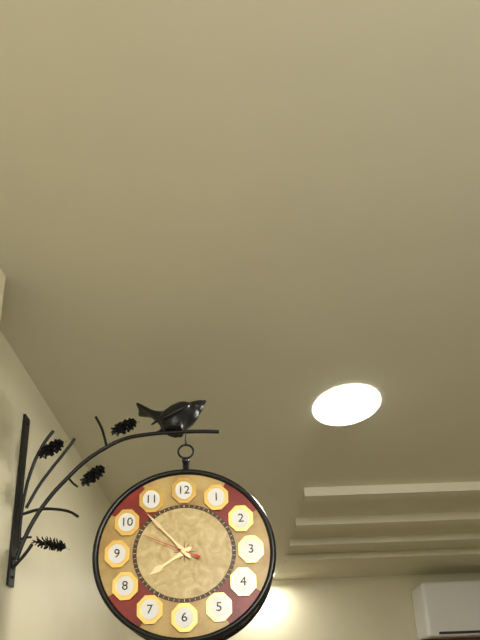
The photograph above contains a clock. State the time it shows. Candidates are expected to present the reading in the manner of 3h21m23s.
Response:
7h53m49s
